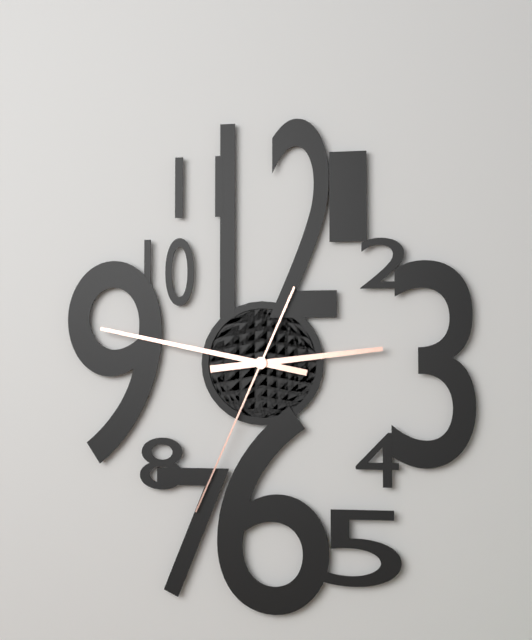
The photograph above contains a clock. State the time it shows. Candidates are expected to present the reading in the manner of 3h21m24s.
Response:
2h47m34s
